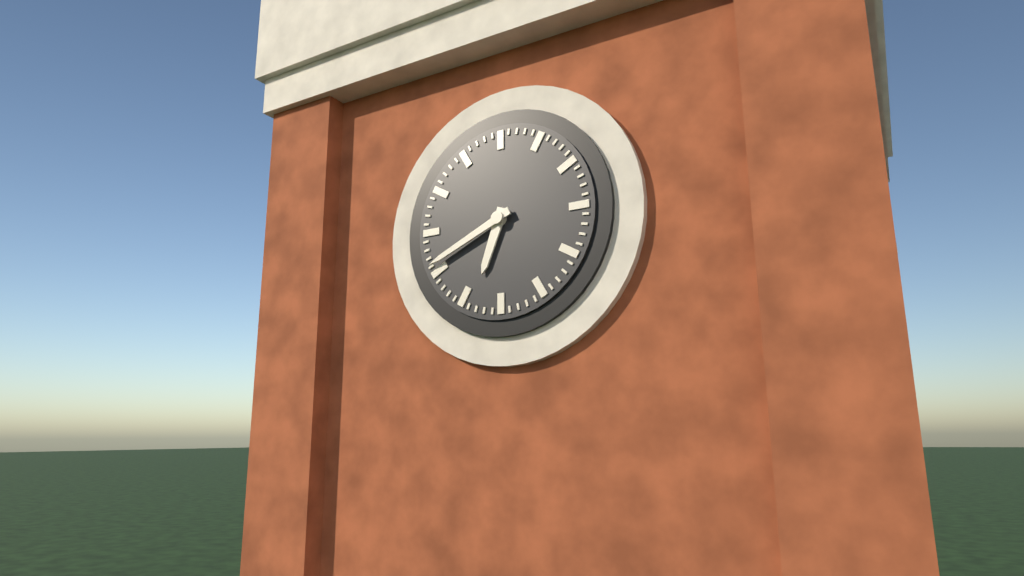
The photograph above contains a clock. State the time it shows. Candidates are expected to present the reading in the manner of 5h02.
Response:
6h41
